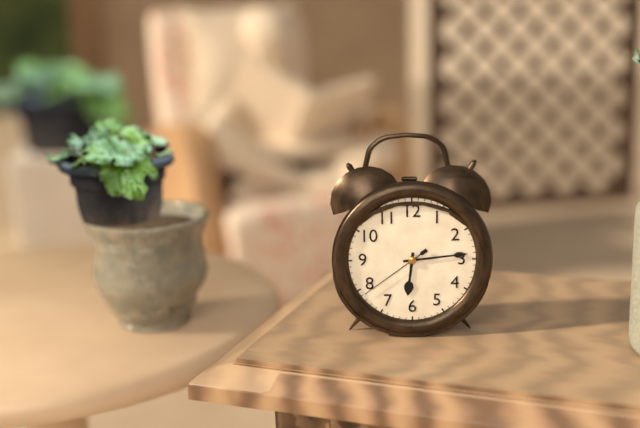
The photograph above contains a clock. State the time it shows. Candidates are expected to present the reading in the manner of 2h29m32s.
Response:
6h14m39s
